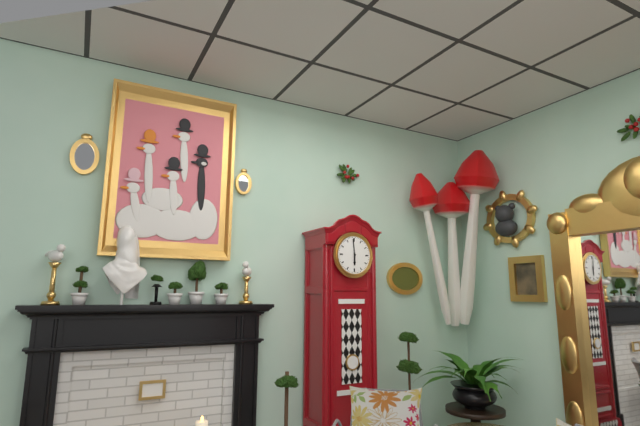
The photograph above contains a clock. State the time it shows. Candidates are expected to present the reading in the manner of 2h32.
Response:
5h59
